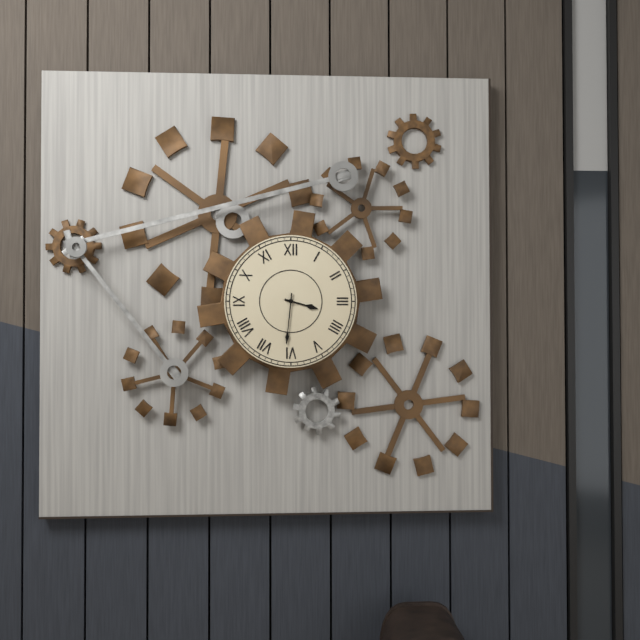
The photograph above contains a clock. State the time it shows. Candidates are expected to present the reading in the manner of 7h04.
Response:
3h31
